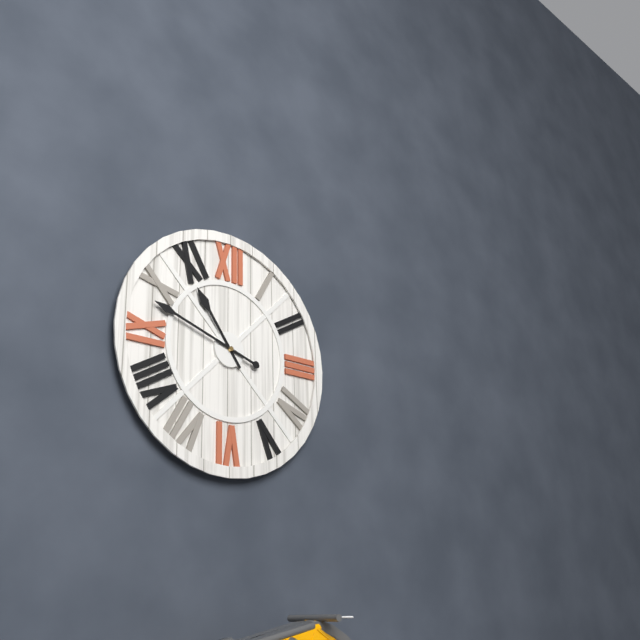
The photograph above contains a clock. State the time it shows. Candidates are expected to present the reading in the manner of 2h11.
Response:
10h48
